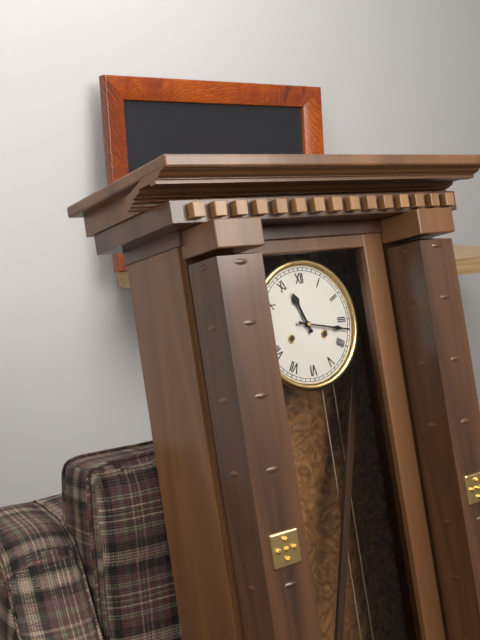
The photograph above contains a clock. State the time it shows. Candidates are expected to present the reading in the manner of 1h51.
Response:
11h17
